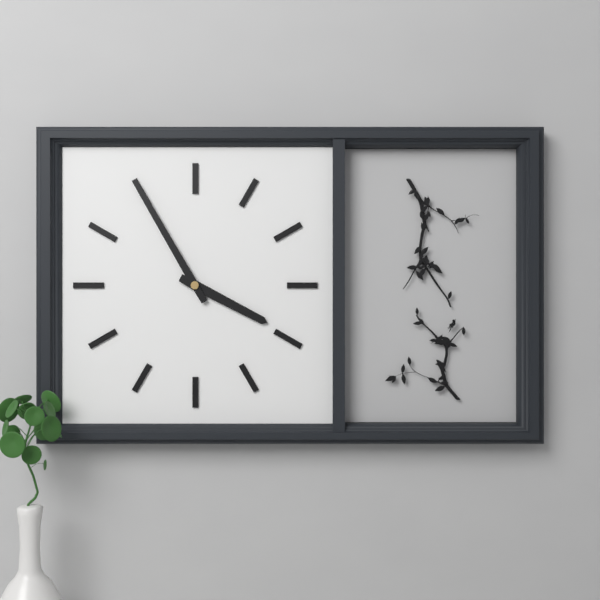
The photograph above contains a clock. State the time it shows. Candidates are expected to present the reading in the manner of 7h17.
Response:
3h55
